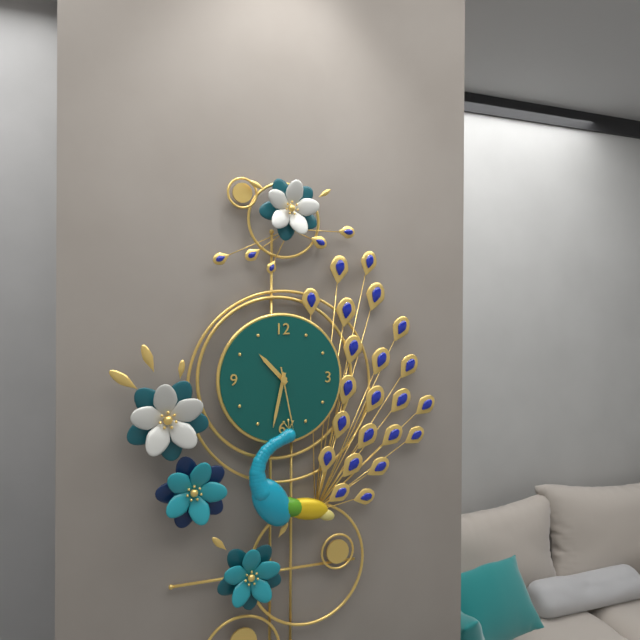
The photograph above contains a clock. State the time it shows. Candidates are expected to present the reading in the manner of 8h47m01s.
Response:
10h32m28s
